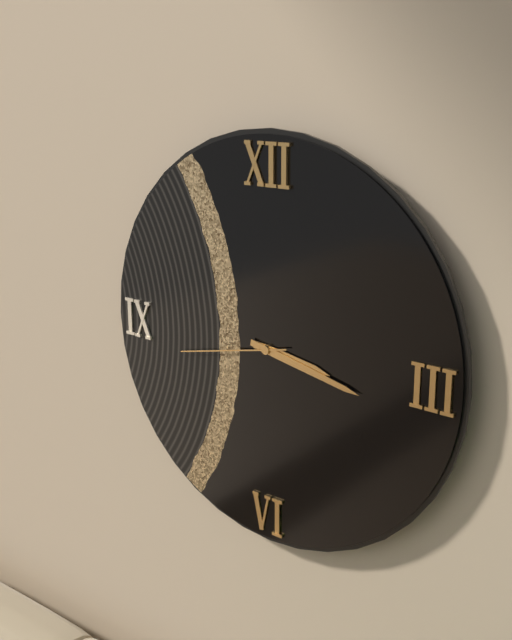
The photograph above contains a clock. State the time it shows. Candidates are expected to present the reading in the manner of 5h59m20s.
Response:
3h17m43s
